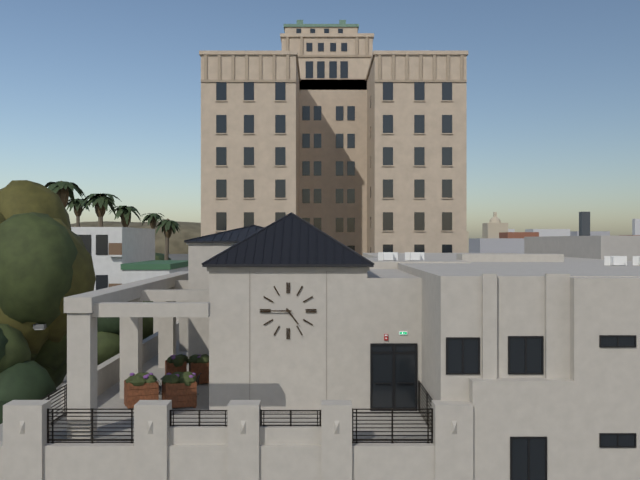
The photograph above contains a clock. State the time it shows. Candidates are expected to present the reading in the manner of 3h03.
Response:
4h45
